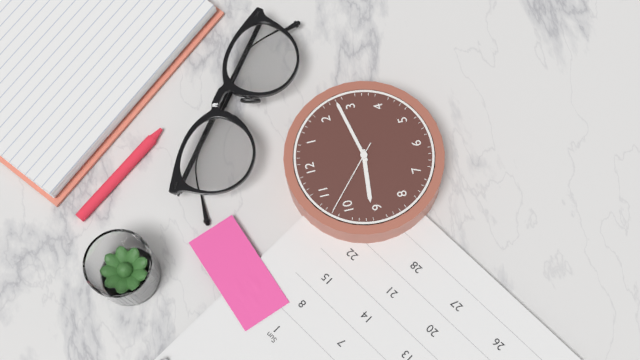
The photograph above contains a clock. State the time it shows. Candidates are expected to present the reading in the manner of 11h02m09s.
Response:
9h13m52s
